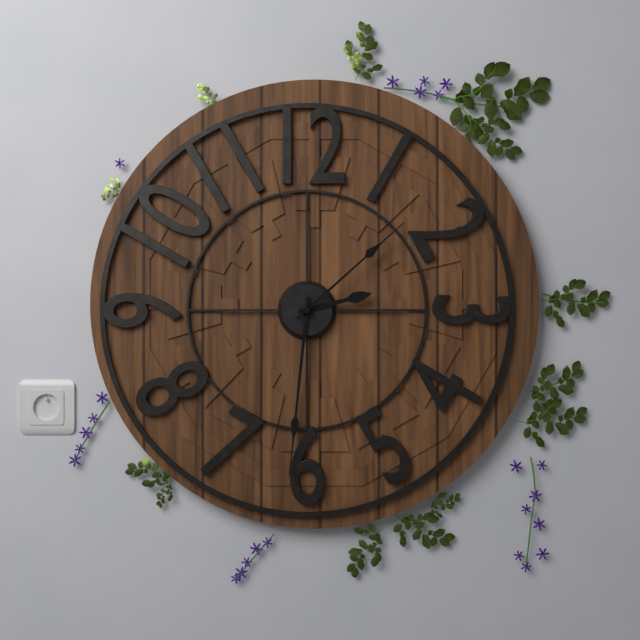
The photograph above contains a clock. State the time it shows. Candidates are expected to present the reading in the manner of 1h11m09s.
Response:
2h31m08s
